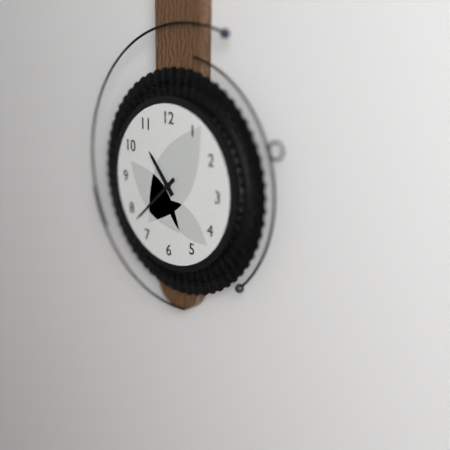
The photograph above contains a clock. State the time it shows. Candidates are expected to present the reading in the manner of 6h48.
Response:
10h38
